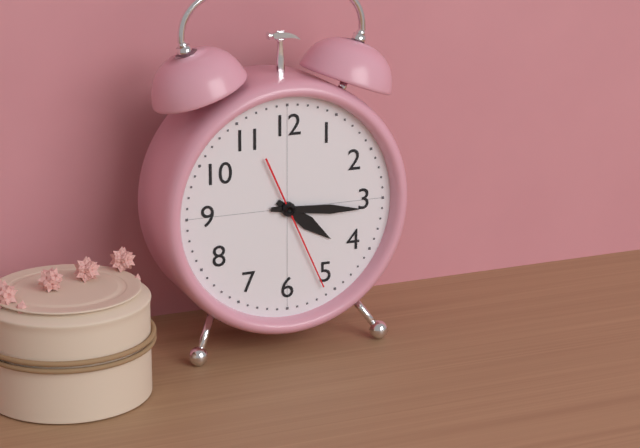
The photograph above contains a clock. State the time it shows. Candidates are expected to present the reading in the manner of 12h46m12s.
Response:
4h16m26s
